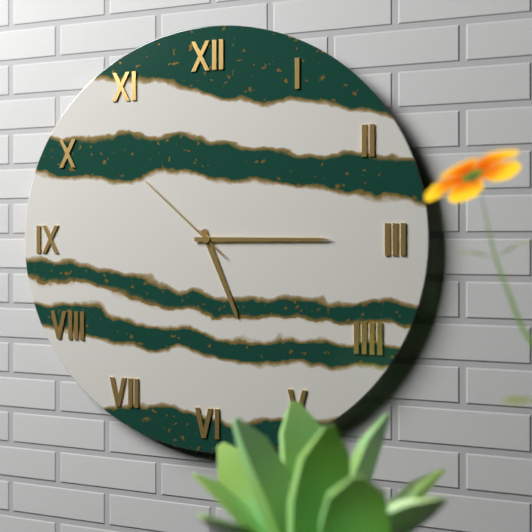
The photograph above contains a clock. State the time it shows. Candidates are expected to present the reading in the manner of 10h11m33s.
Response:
5h15m52s
